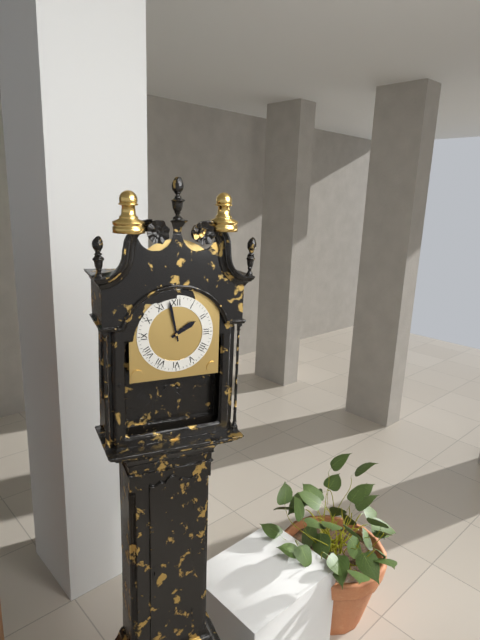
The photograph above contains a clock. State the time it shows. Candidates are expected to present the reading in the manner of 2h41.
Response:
1h58
